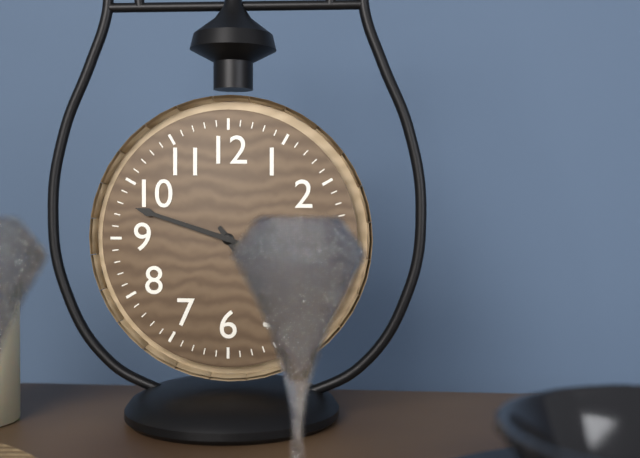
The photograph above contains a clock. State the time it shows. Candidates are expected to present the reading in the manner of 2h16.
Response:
4h48
